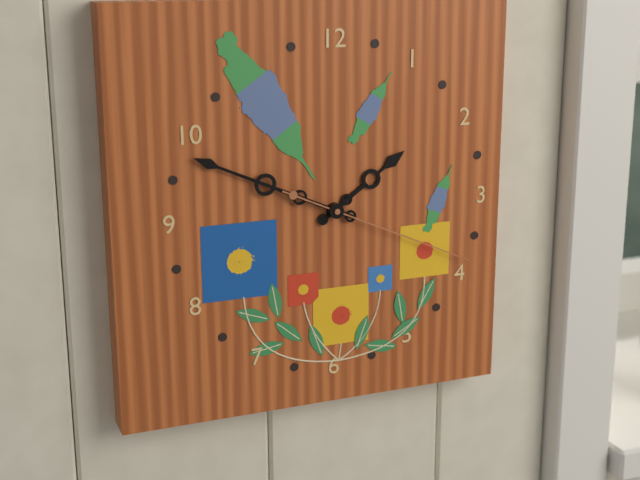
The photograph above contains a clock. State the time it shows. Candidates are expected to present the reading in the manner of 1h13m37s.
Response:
1h49m19s
